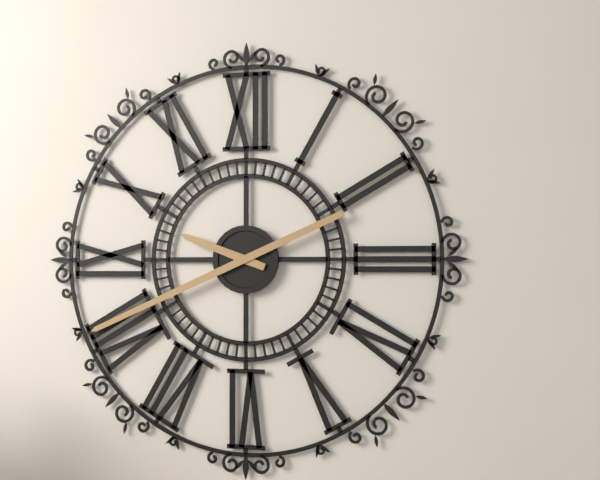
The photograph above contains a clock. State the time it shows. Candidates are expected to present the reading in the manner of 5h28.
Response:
9h41
